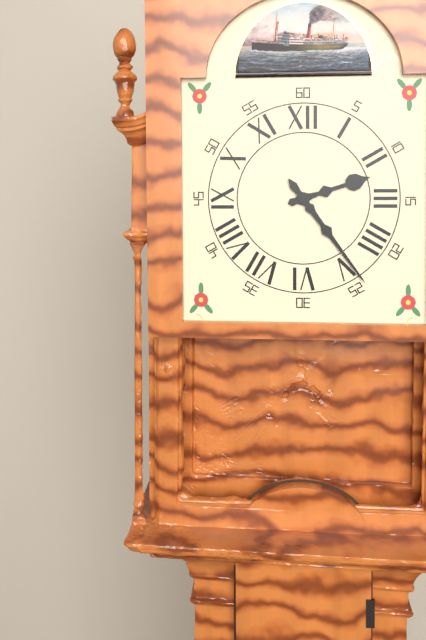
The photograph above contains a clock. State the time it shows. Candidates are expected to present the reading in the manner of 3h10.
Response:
2h24
